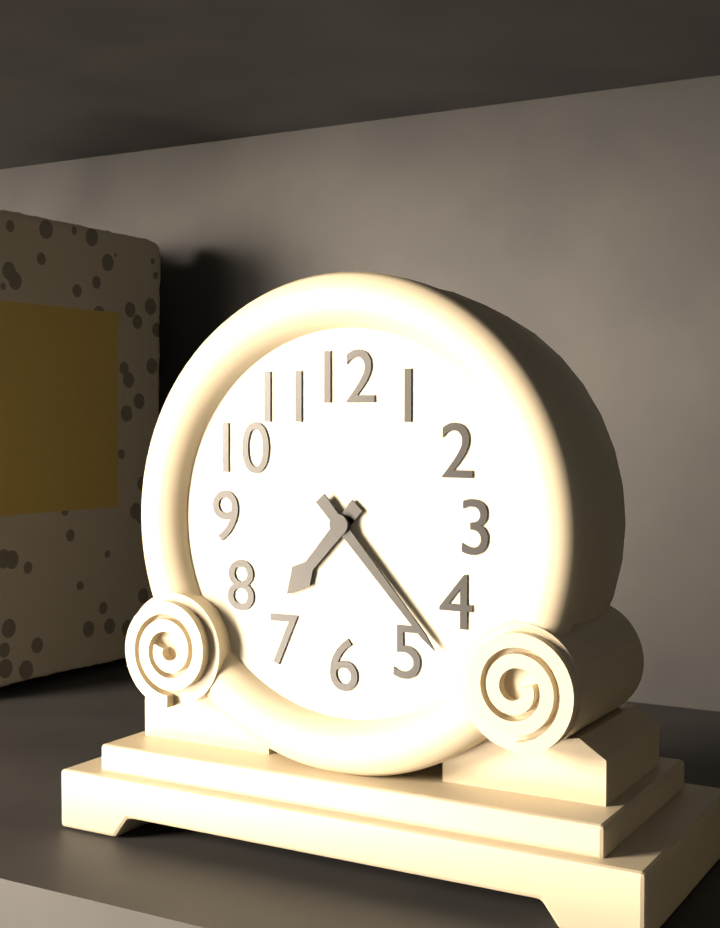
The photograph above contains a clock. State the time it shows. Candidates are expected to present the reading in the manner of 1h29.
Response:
7h23
